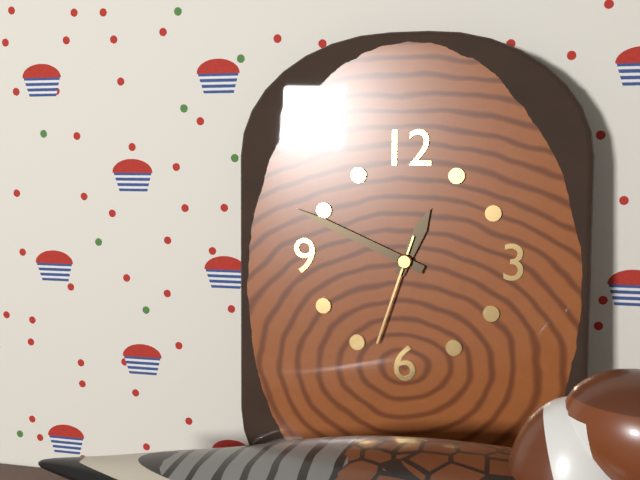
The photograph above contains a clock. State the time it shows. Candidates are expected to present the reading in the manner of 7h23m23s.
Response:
12h49m33s
